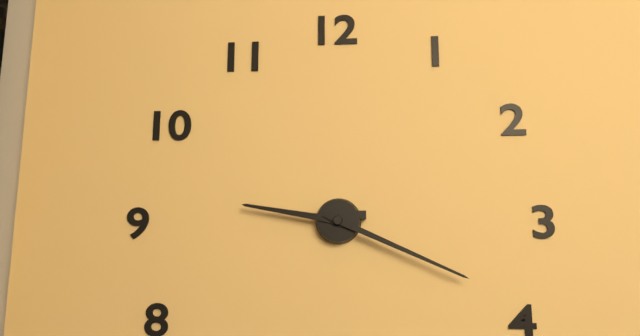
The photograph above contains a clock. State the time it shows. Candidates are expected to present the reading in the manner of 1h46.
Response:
9h19
